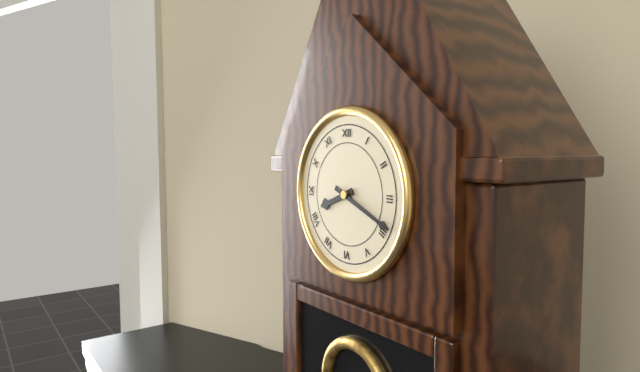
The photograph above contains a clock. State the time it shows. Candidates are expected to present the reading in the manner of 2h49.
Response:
8h19
